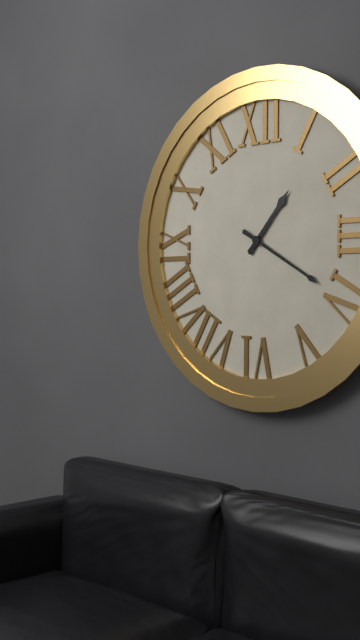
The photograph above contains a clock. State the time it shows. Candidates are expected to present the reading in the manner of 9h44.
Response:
1h20
